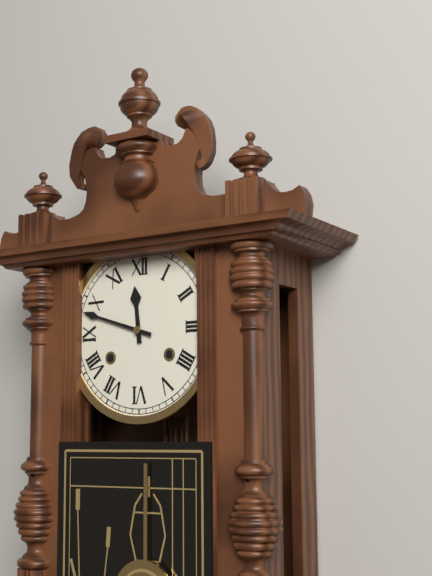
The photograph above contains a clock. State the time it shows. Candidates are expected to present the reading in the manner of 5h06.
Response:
11h48
